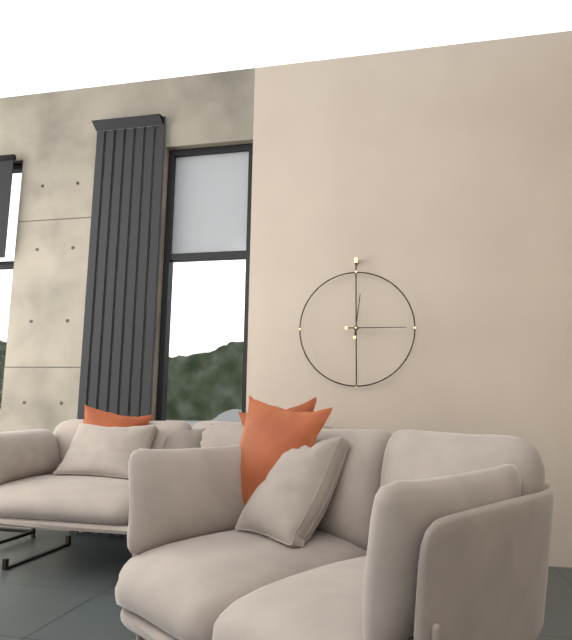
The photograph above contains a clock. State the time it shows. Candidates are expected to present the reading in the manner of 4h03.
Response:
12h15
